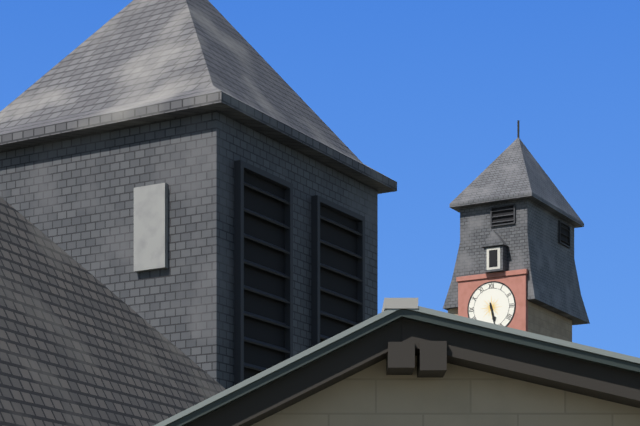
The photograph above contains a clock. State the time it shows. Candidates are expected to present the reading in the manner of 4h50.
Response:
5h28
